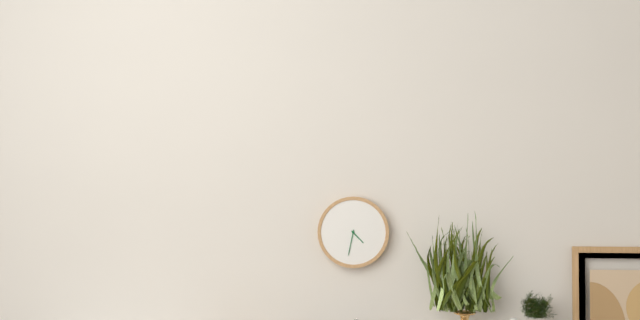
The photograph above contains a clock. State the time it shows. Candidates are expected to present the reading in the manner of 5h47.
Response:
4h32
